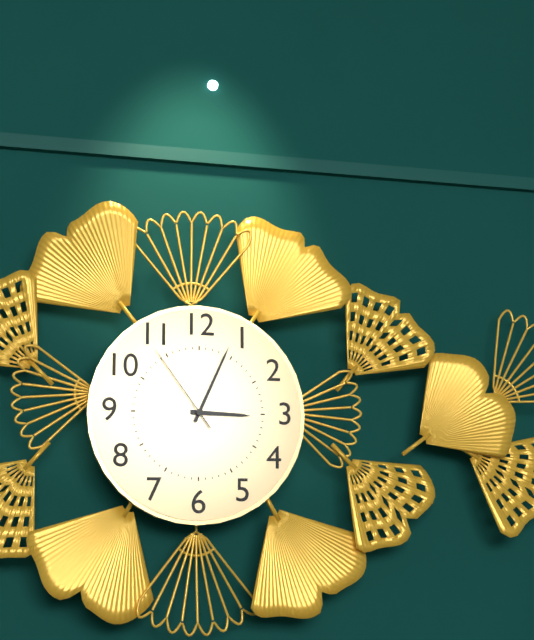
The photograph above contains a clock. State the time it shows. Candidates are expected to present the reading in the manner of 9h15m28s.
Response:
3h04m54s
